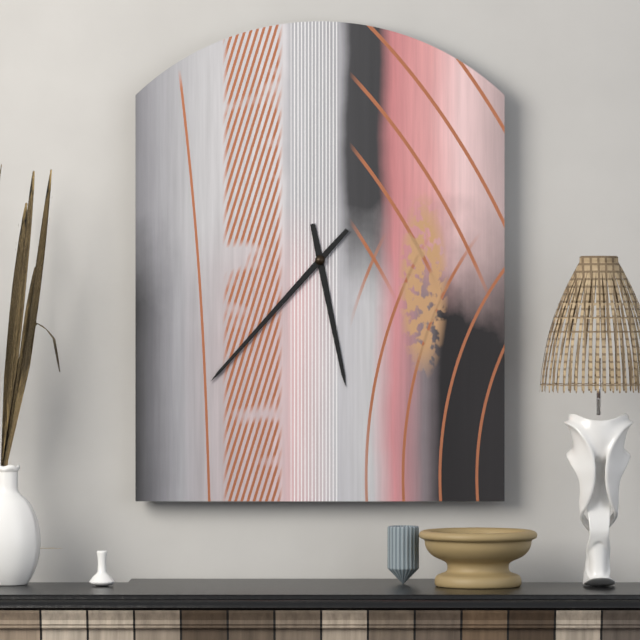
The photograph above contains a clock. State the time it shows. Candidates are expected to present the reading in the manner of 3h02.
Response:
5h37
